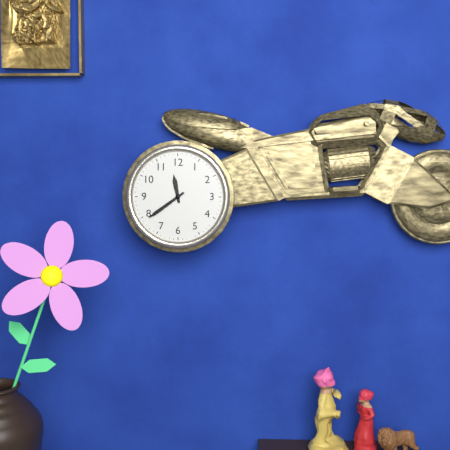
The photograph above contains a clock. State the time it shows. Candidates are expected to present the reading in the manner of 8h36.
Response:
11h39
